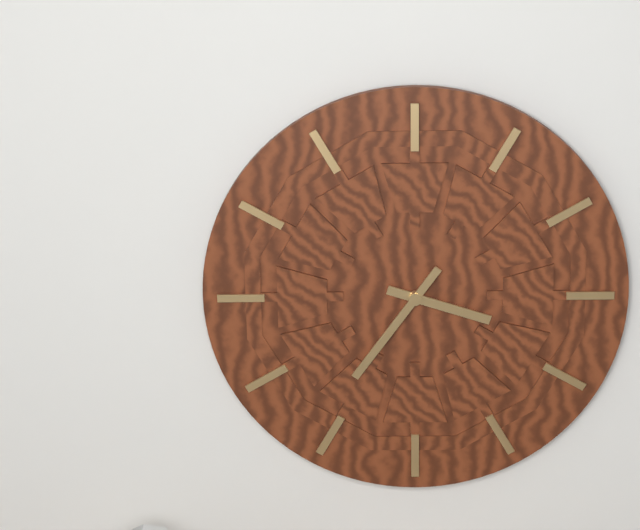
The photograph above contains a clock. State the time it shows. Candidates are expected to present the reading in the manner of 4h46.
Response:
3h36
